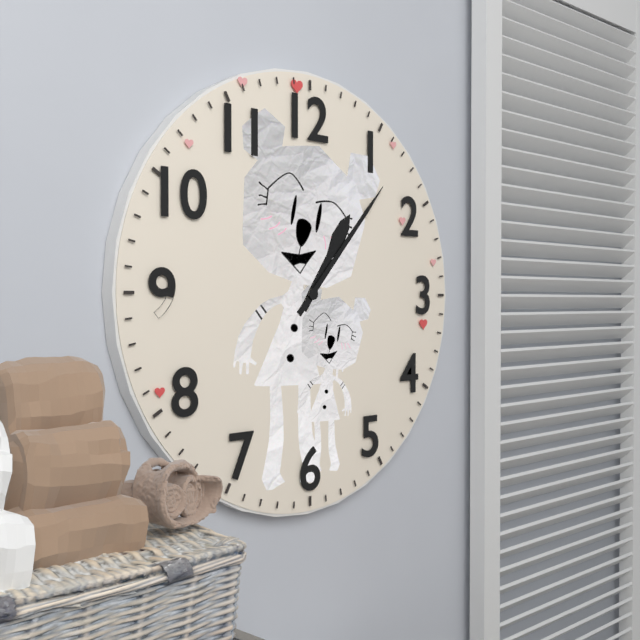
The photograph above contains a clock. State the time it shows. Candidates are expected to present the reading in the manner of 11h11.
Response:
1h07
